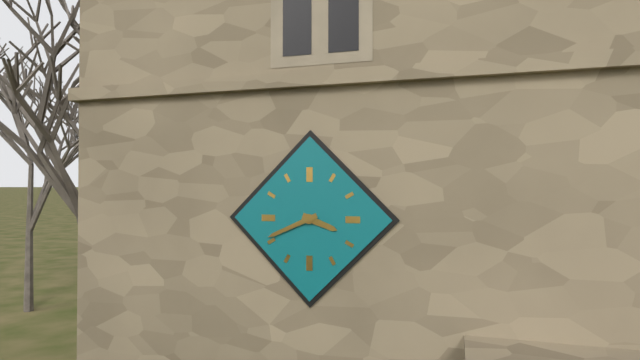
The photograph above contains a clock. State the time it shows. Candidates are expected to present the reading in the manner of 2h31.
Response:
3h41
